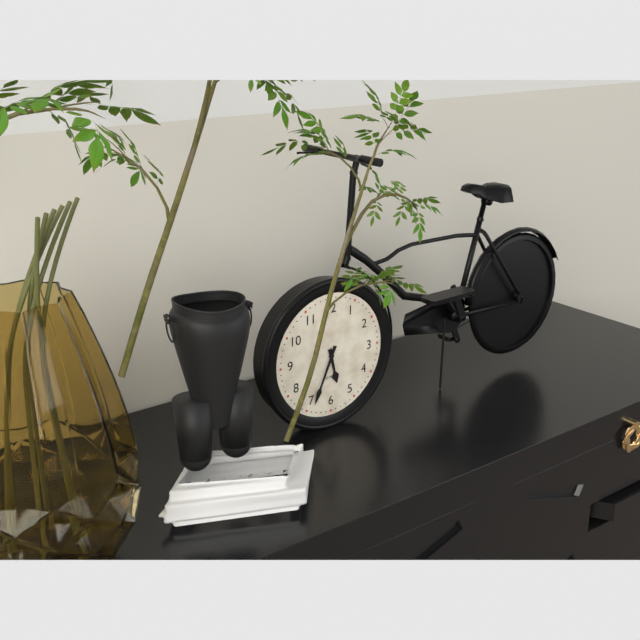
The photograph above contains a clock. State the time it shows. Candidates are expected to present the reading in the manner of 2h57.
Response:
5h34
